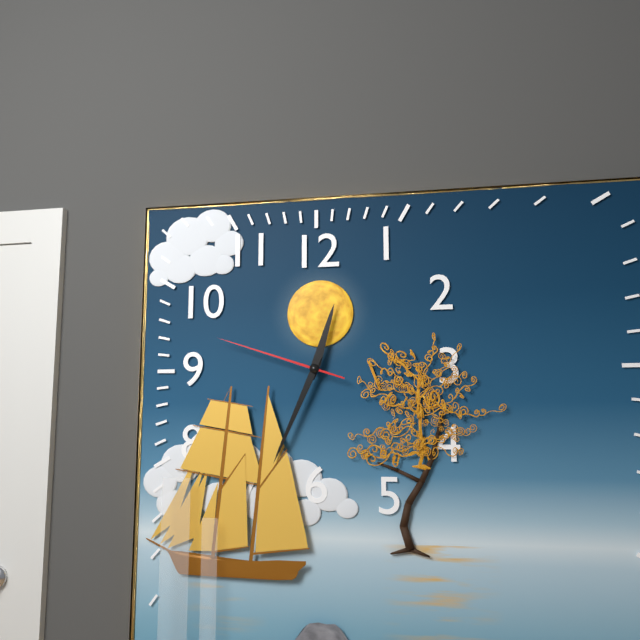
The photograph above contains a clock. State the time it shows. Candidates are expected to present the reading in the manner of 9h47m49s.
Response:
12h34m48s
